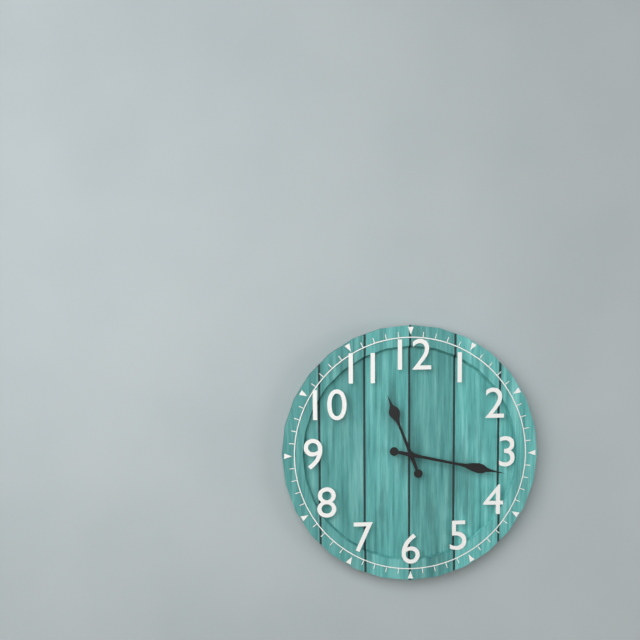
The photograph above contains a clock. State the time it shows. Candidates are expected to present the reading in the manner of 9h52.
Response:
11h17
